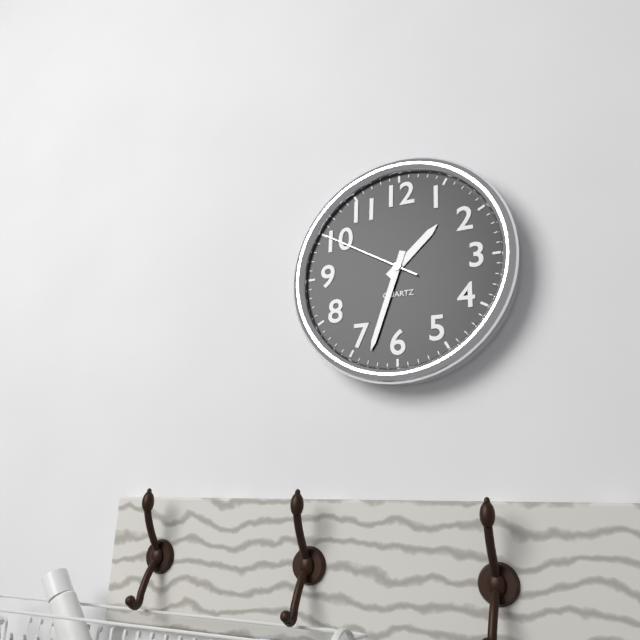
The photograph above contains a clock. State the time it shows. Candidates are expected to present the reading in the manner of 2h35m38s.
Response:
1h33m50s
